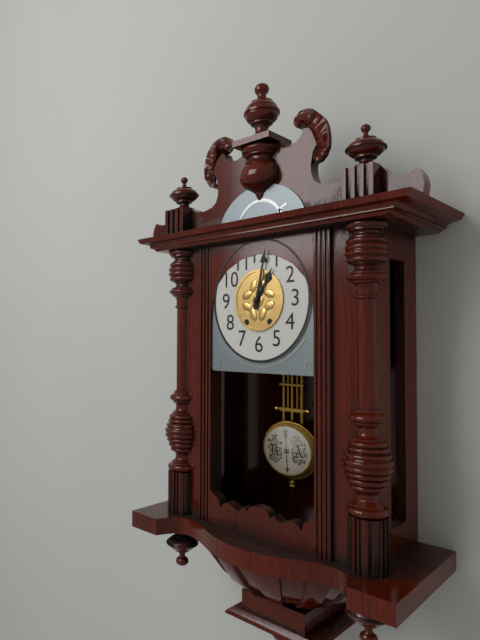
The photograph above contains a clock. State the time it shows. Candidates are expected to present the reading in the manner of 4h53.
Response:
1h02
